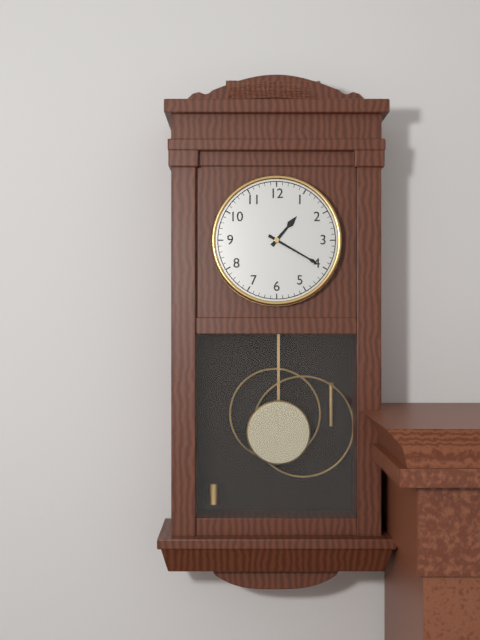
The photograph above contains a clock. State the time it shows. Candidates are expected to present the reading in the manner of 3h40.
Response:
1h20
